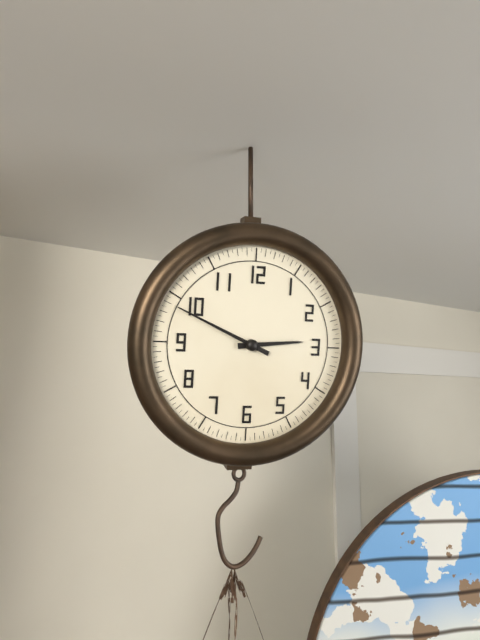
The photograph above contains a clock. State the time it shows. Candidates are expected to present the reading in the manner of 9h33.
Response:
2h49
